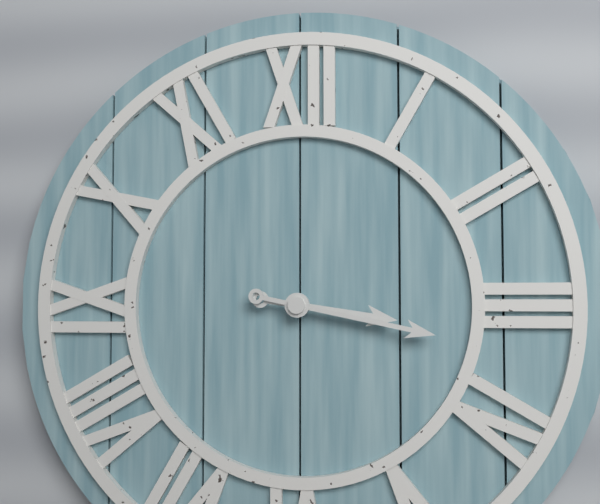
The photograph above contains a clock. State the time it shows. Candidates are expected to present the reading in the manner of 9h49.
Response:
3h17
